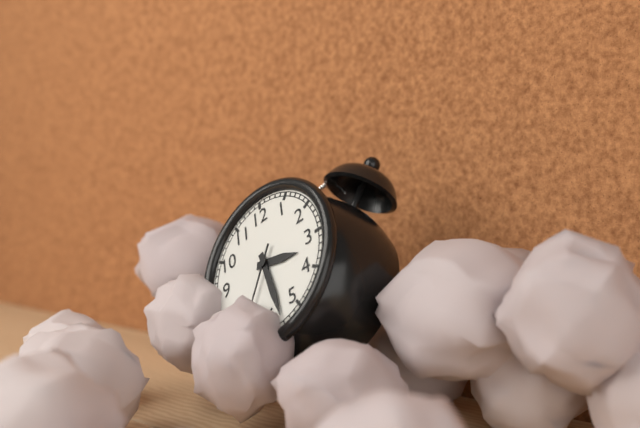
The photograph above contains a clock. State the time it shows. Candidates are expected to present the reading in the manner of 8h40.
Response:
3h28
